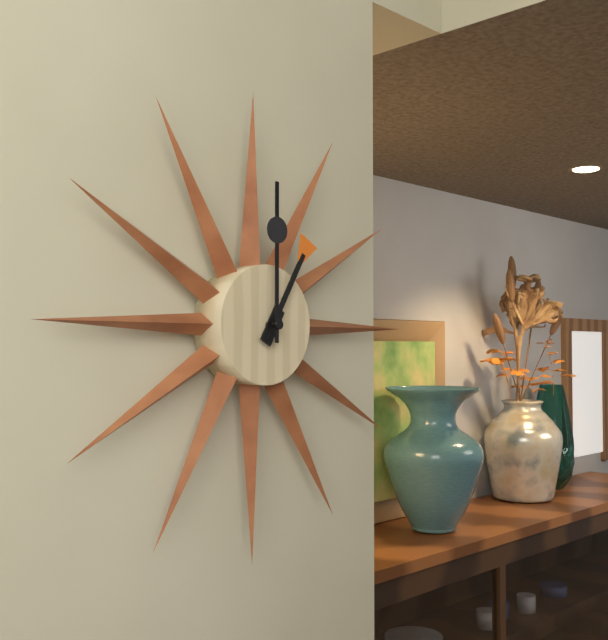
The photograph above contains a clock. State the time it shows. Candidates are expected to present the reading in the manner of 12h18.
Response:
1h00
